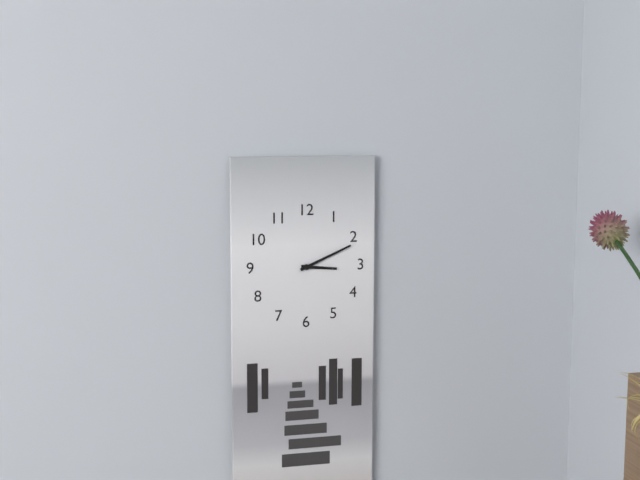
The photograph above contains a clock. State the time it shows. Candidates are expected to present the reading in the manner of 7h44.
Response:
3h11
